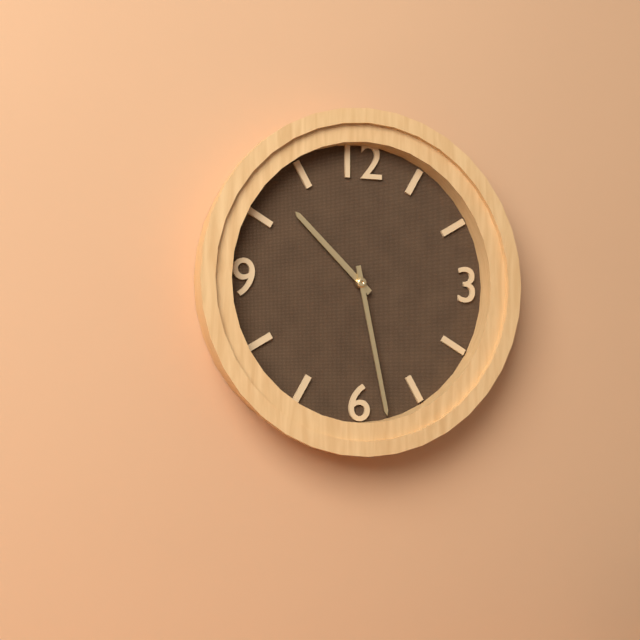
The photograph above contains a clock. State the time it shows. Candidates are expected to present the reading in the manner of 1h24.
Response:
10h28
